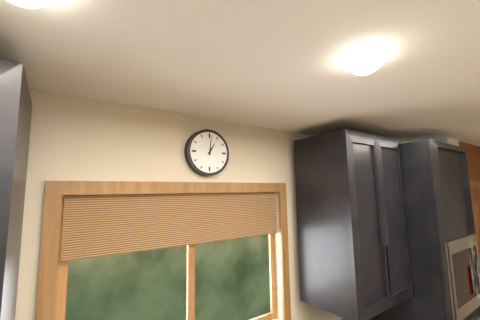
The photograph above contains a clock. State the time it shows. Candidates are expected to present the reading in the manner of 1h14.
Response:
1h01
